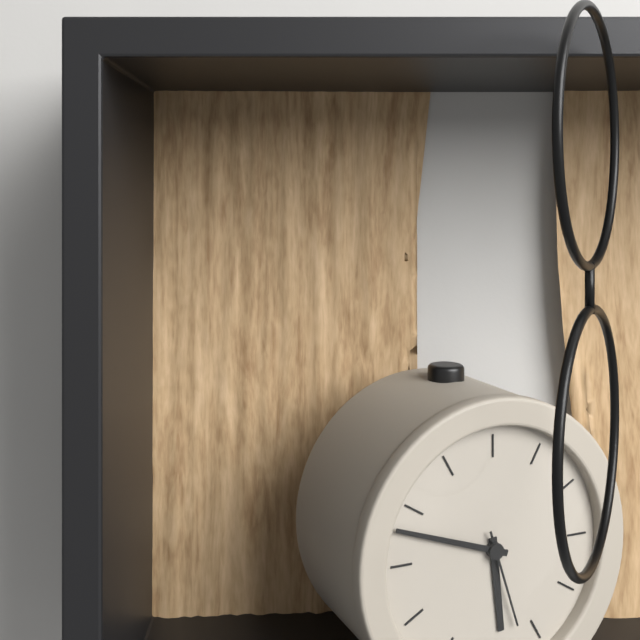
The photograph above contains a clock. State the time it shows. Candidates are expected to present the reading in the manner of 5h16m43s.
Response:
5h48m27s
